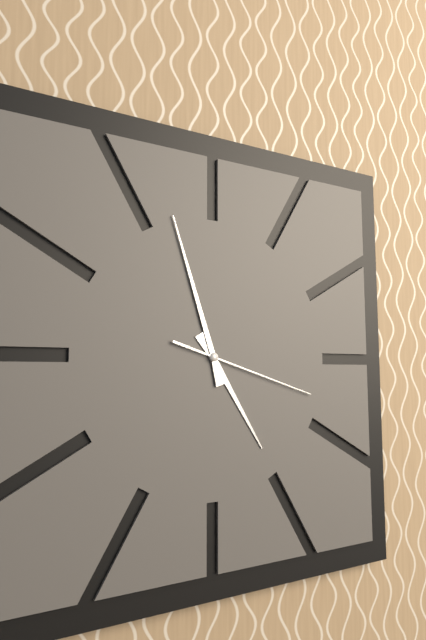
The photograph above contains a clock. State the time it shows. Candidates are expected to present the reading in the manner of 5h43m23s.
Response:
4h57m18s
